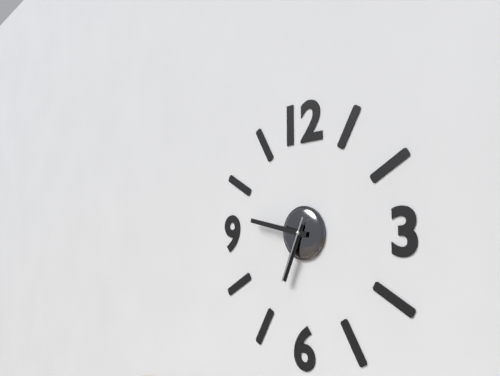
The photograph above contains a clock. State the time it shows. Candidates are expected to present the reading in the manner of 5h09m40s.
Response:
6h47m34s
